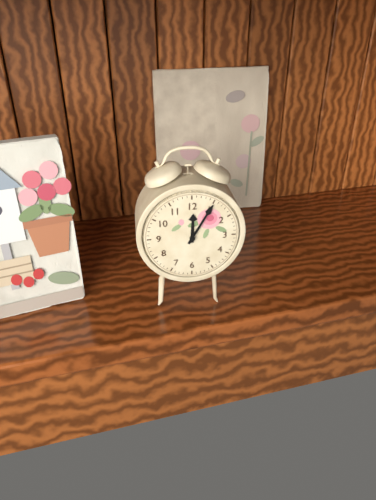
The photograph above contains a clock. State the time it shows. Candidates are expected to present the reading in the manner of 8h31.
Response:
12h05
